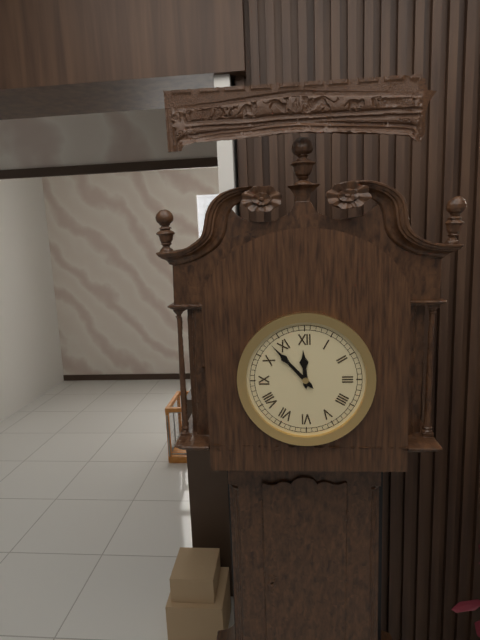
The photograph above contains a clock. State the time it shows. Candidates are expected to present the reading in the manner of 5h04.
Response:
11h53
